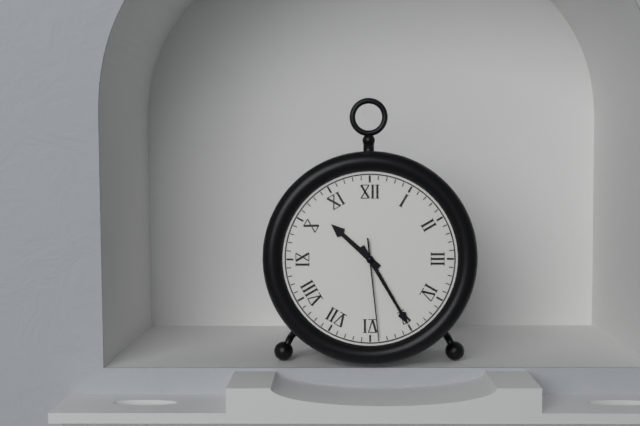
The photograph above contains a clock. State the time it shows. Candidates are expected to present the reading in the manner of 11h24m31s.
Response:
10h25m29s
